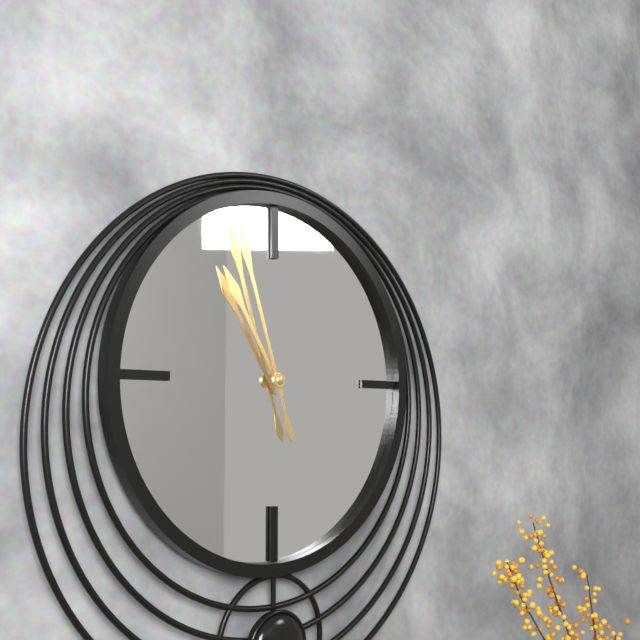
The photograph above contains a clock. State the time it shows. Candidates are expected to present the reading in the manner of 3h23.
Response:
10h57
